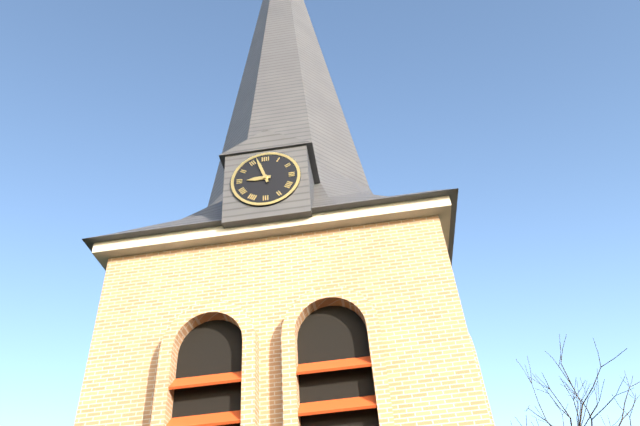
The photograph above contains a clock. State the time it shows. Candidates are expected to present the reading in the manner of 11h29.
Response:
8h57
